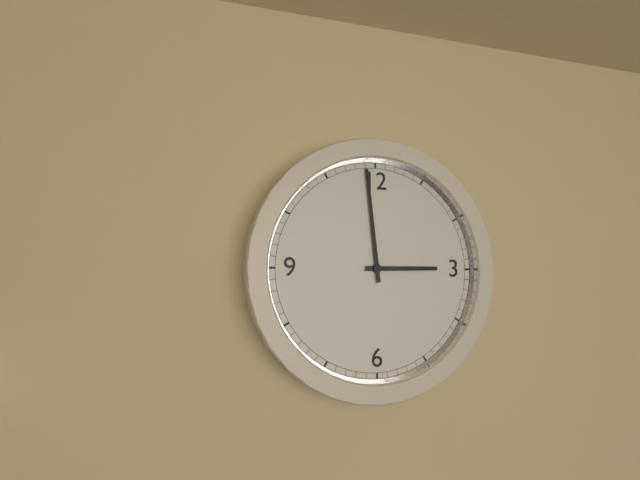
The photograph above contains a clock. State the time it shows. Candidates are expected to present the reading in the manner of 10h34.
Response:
2h59
